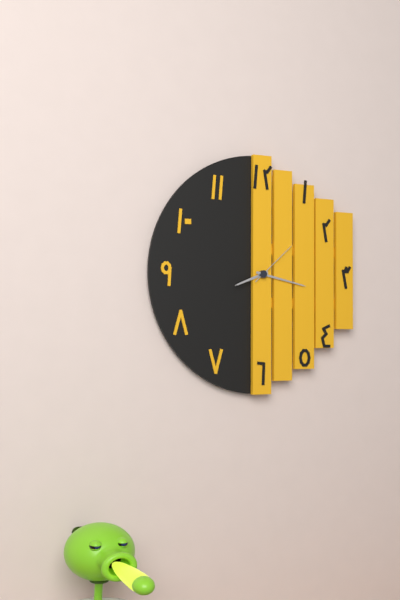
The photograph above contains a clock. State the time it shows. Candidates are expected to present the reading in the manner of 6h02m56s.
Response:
8h17m08s
